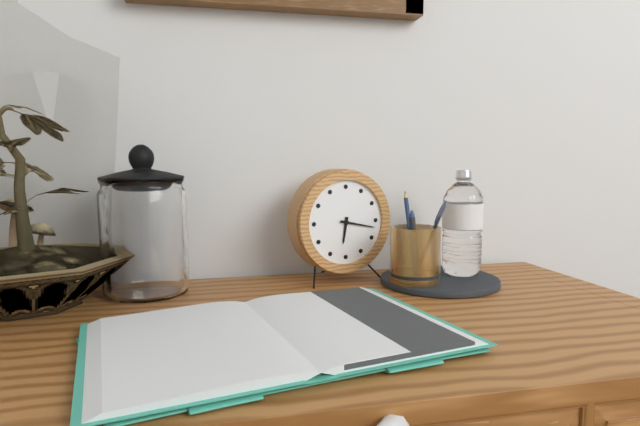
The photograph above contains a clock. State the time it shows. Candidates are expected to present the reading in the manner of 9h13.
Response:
6h17
